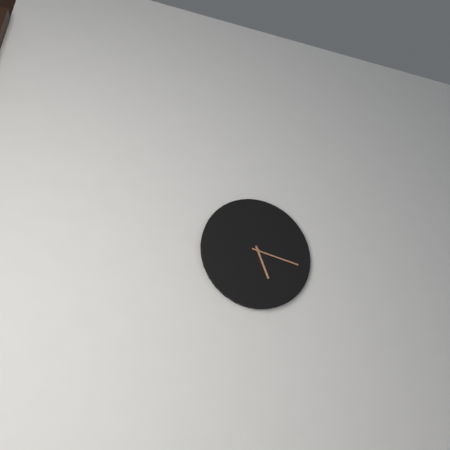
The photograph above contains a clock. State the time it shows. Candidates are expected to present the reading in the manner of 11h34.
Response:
5h17
